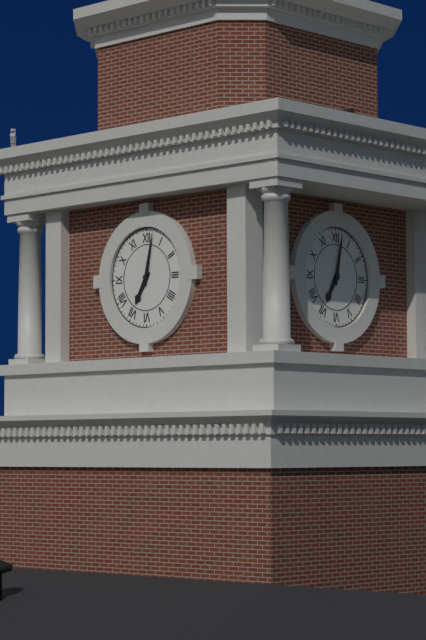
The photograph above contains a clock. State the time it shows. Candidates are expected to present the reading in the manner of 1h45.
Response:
7h02
